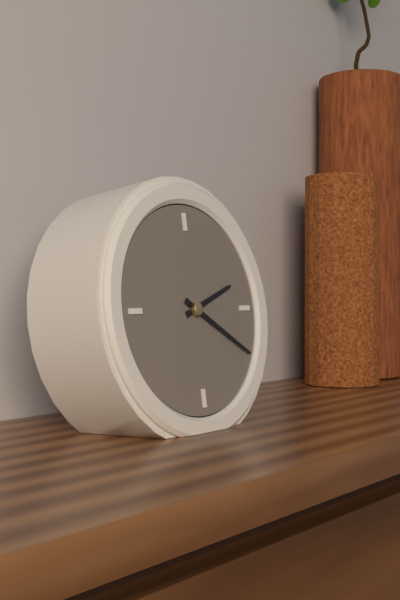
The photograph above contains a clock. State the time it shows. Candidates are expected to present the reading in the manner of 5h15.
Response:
2h20
